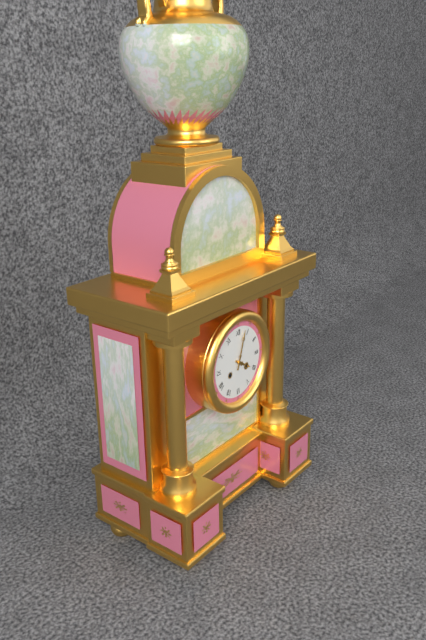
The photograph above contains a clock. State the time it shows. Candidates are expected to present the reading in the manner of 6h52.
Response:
4h03
